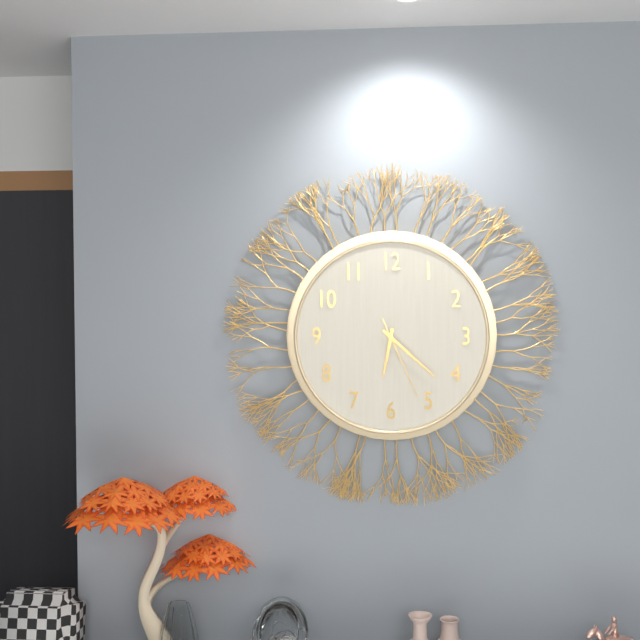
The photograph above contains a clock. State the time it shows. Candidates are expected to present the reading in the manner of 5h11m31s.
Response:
6h22m26s
